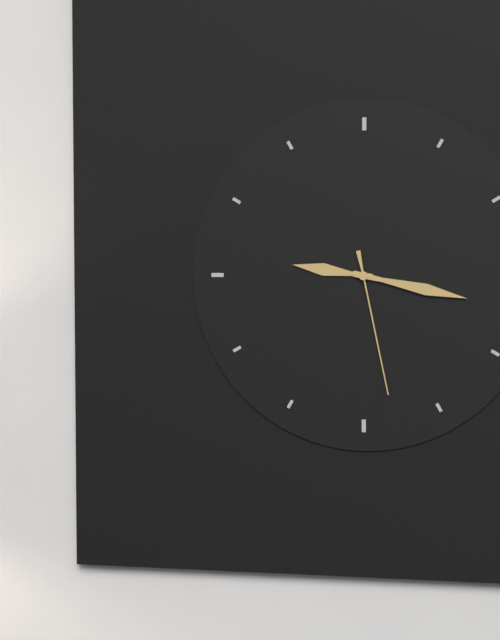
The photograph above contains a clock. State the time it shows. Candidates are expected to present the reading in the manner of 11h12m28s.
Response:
9h17m28s
